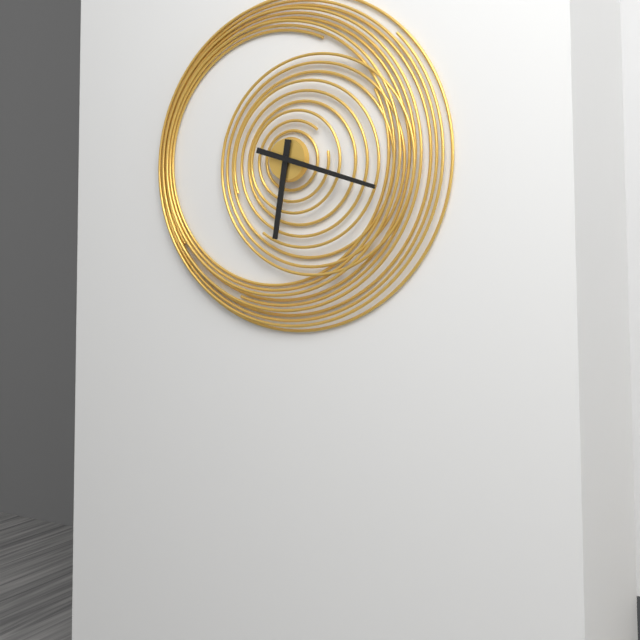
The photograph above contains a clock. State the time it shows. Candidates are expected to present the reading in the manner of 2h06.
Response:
6h18
